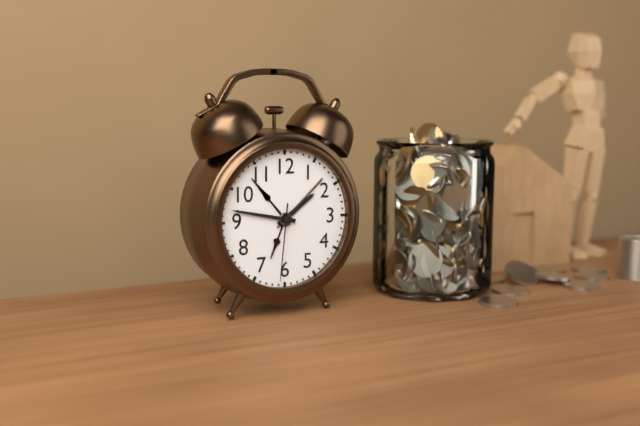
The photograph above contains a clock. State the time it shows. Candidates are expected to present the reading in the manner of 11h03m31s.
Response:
1h47m31s
